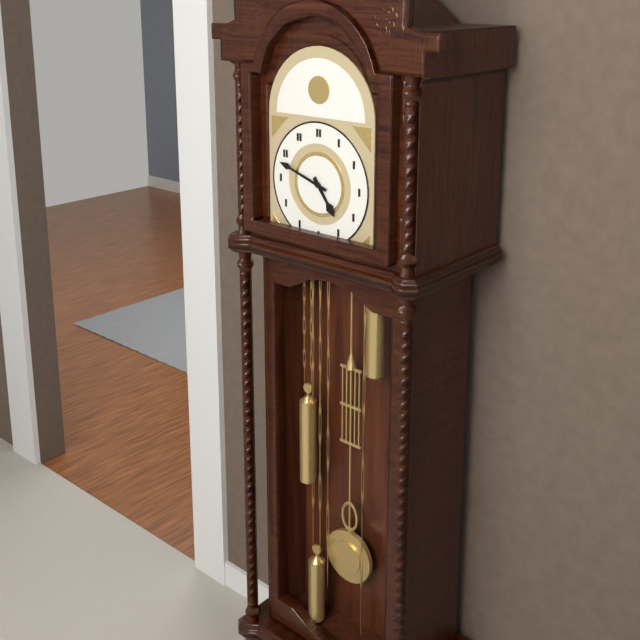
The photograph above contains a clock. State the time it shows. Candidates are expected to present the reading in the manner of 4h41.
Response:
4h48
